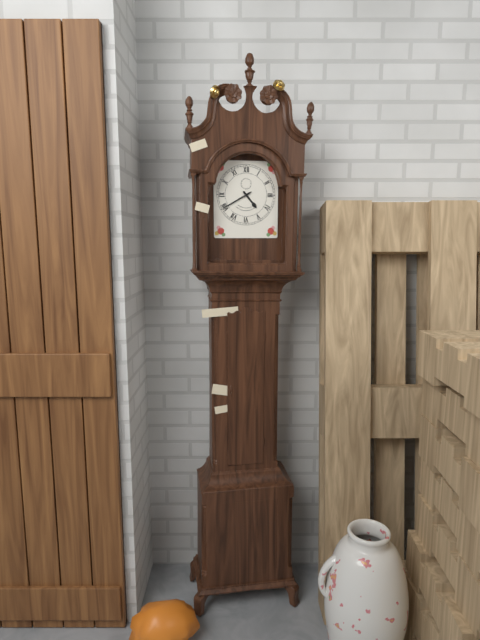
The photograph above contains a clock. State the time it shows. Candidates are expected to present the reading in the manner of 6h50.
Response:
4h40
